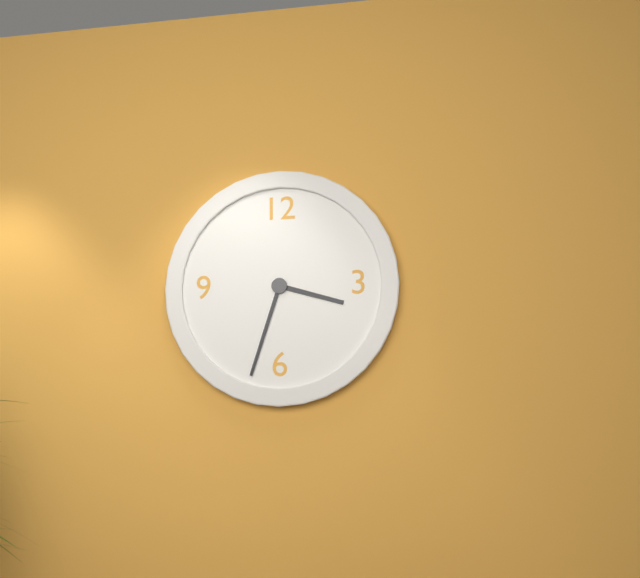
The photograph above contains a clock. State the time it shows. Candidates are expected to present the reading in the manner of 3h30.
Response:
3h33
